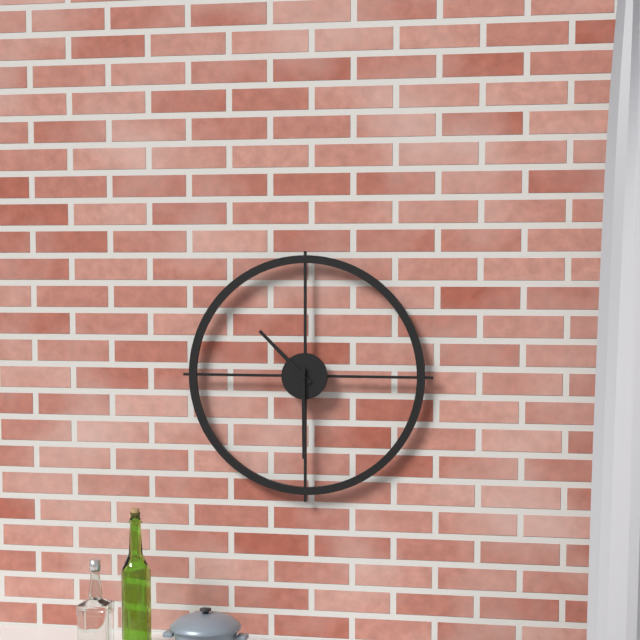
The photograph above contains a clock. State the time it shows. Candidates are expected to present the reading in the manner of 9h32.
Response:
10h30
